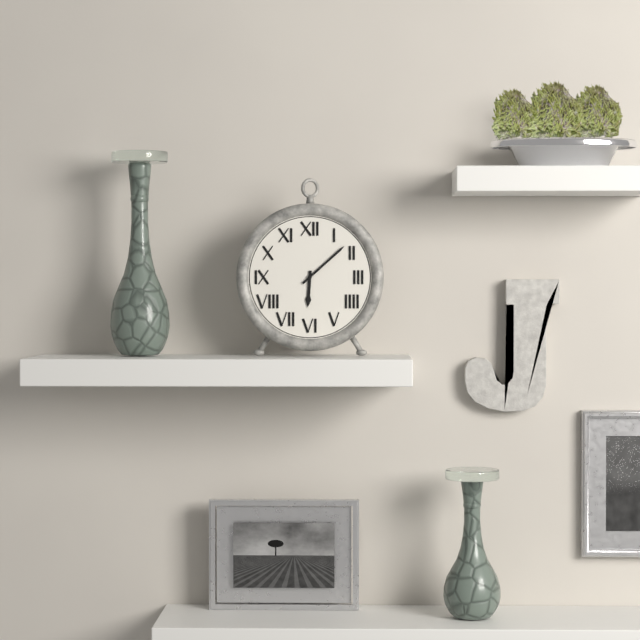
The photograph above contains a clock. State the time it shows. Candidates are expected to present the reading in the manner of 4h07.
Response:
6h08
